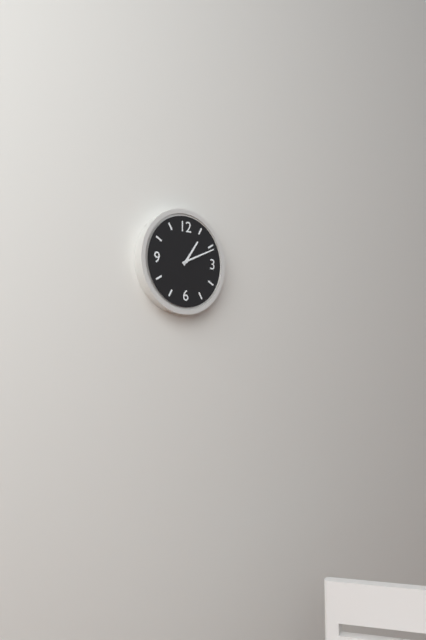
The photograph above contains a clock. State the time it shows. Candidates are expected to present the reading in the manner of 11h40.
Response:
1h11
